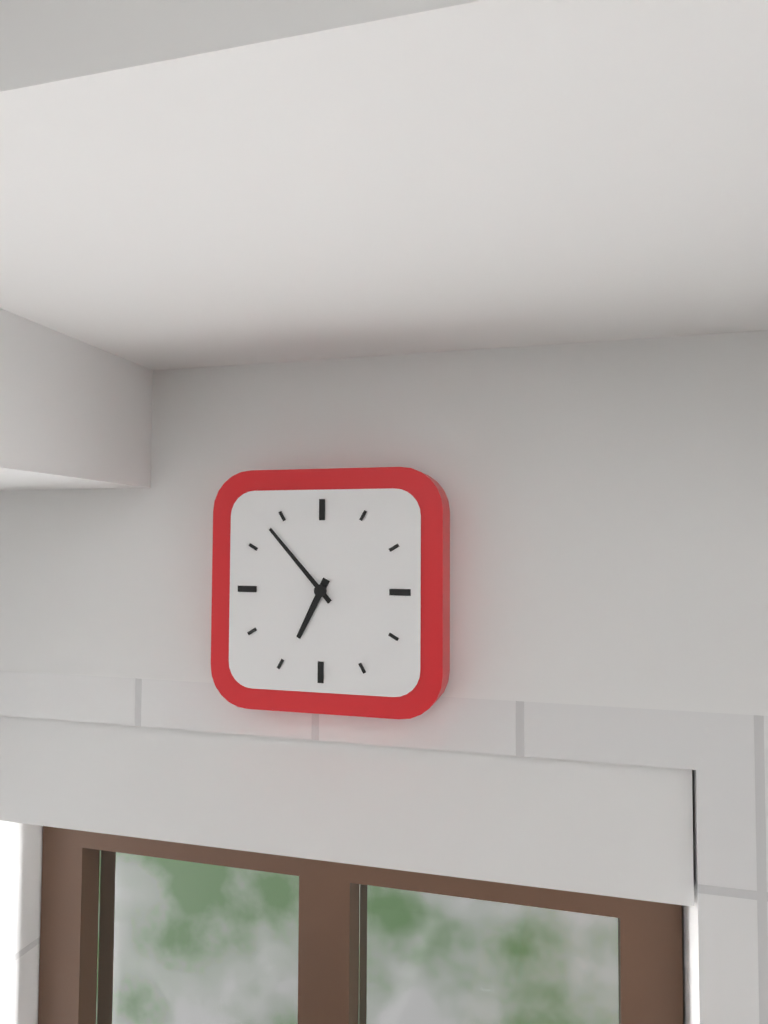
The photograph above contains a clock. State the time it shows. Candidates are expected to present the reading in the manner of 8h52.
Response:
6h53
